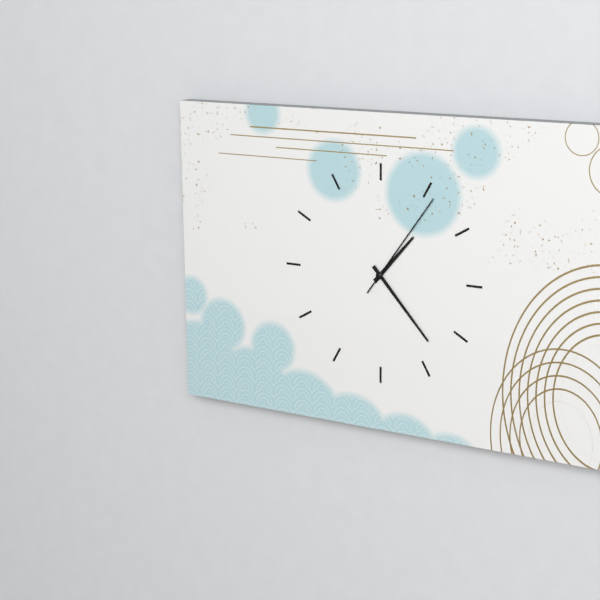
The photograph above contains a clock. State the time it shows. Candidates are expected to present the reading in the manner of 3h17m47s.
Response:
1h23m06s
